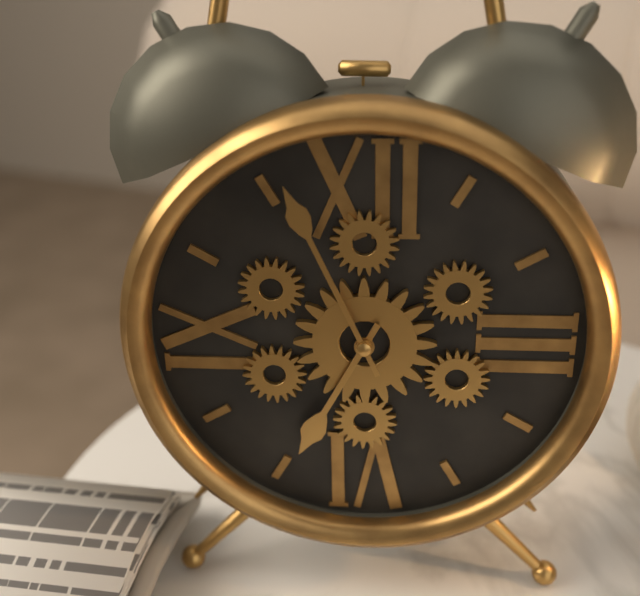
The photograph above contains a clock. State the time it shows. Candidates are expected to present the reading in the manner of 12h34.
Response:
6h56
